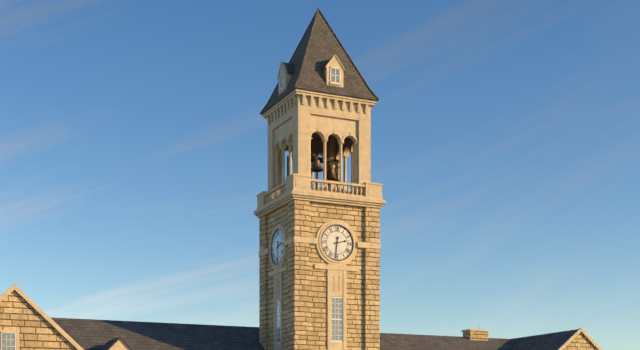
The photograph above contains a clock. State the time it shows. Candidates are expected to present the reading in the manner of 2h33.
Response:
2h31
